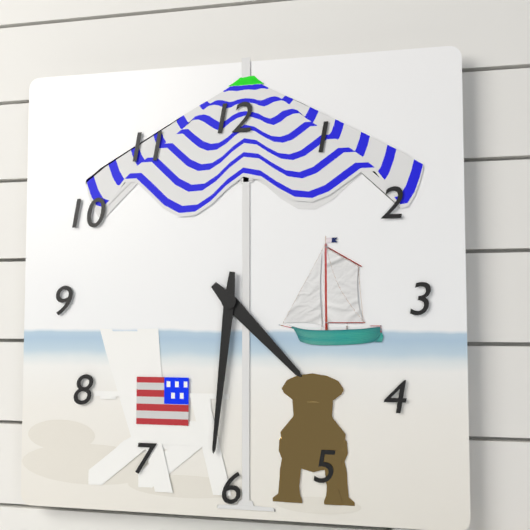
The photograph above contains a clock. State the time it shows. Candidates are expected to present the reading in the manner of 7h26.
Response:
4h31
